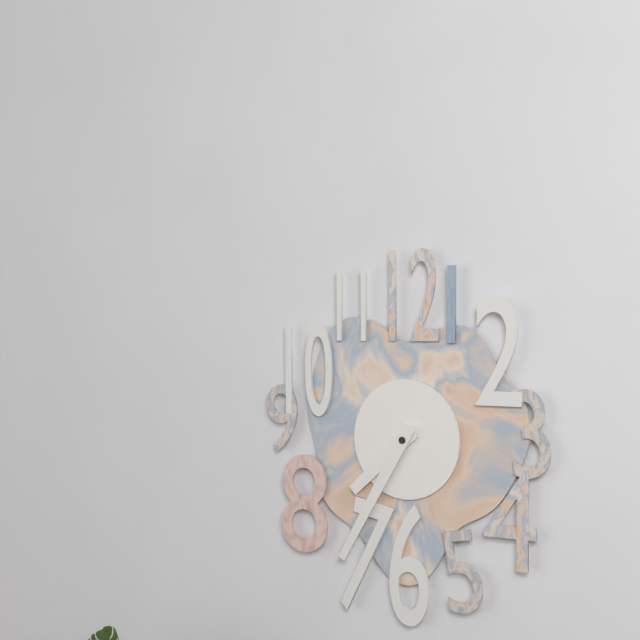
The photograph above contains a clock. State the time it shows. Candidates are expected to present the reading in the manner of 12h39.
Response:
7h35
